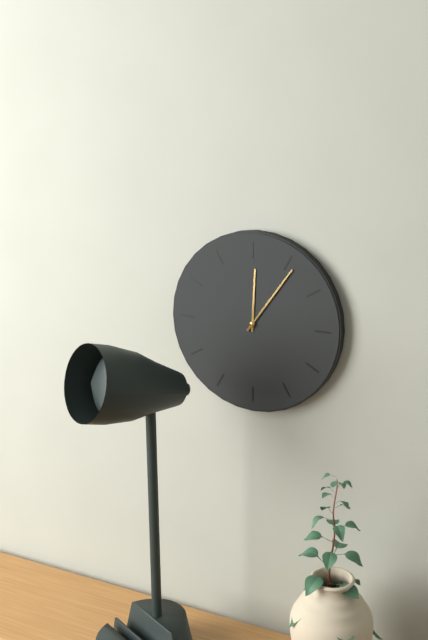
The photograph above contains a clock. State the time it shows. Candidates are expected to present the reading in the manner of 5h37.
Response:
12h06
